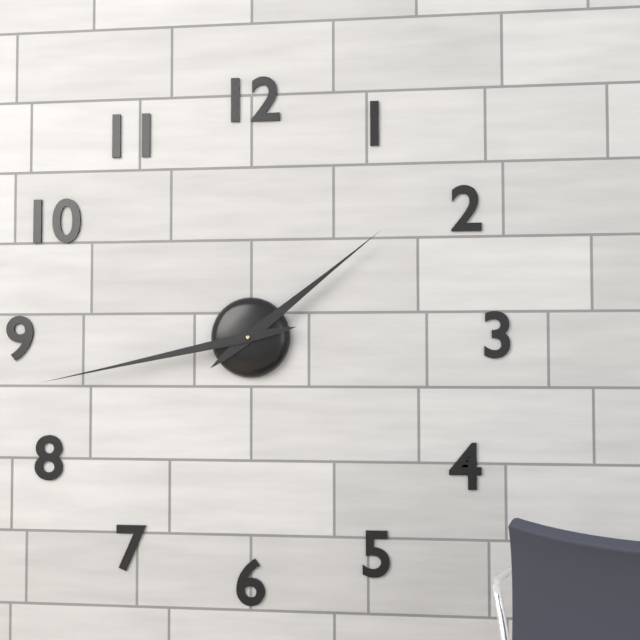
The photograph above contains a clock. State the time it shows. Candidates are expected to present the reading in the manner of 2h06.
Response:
1h43
